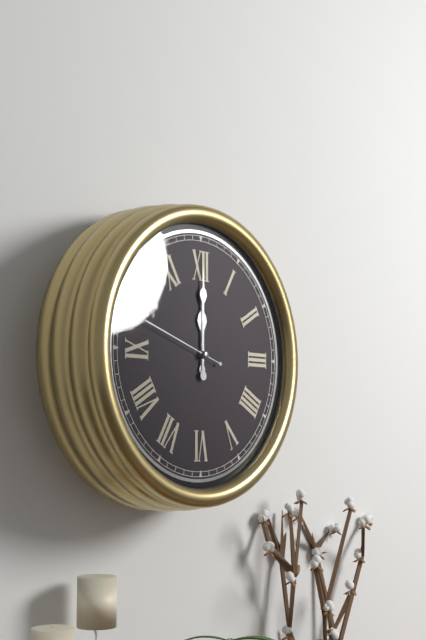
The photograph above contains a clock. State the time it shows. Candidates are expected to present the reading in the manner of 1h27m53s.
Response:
12h00m48s
